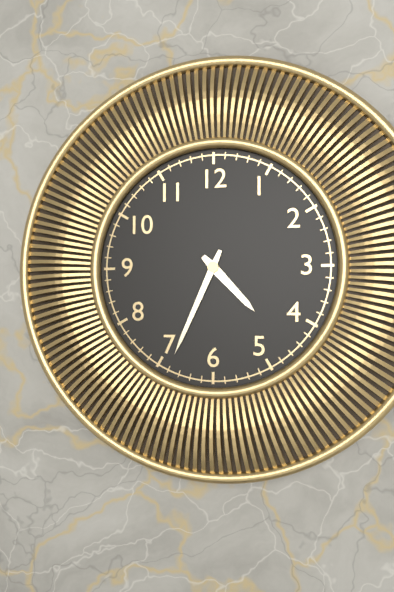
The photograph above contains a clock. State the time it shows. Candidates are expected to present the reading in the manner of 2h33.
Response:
4h34
